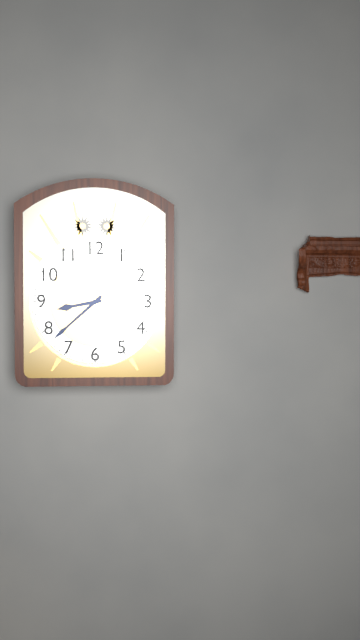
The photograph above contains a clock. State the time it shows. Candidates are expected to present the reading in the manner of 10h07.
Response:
8h38
